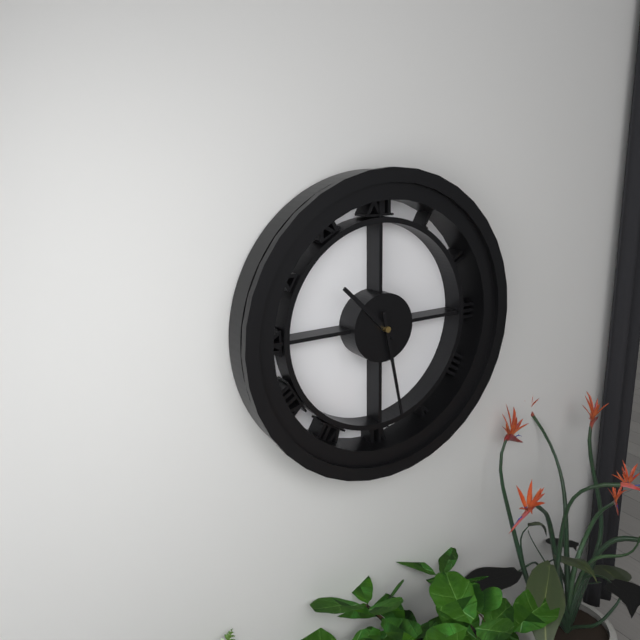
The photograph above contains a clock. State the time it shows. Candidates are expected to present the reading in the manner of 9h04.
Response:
10h28
